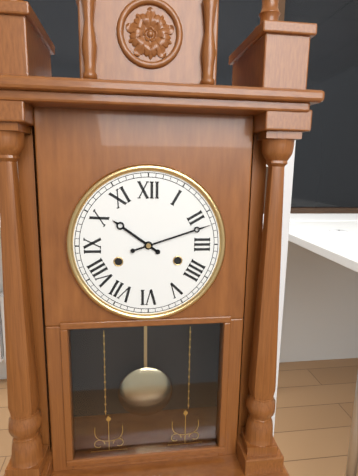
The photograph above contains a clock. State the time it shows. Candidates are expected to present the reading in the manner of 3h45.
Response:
10h12
